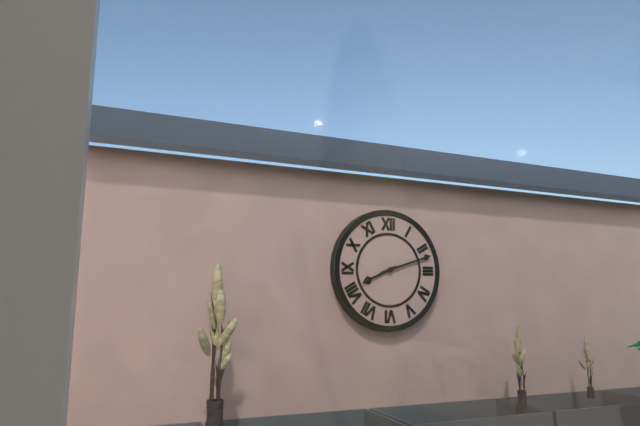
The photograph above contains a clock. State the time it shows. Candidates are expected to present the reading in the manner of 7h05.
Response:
8h12
